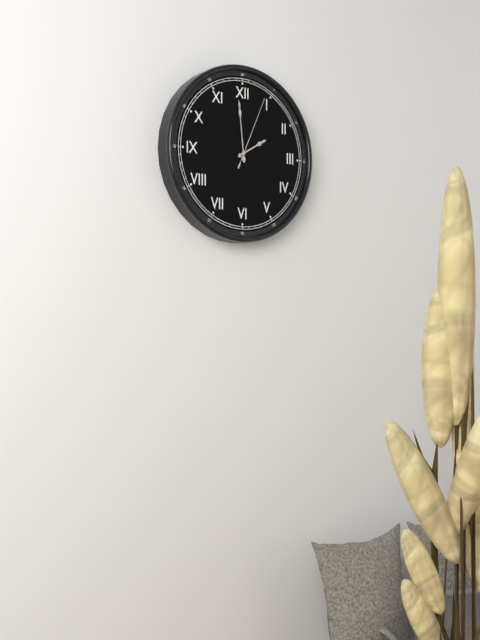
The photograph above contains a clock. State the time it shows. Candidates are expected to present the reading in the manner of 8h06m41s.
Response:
1h59m04s
